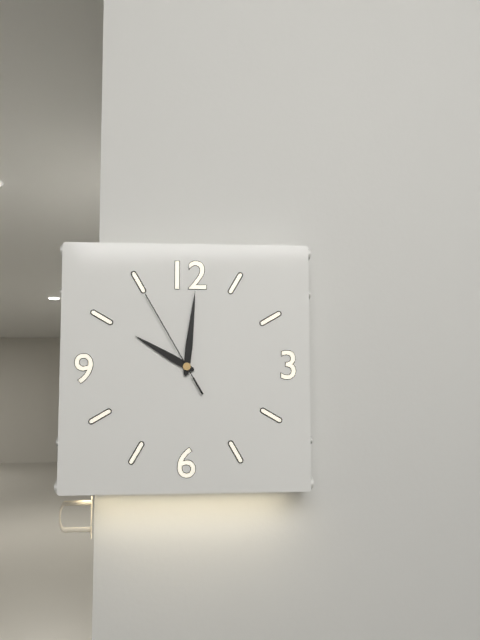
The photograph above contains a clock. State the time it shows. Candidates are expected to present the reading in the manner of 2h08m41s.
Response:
10h01m55s
